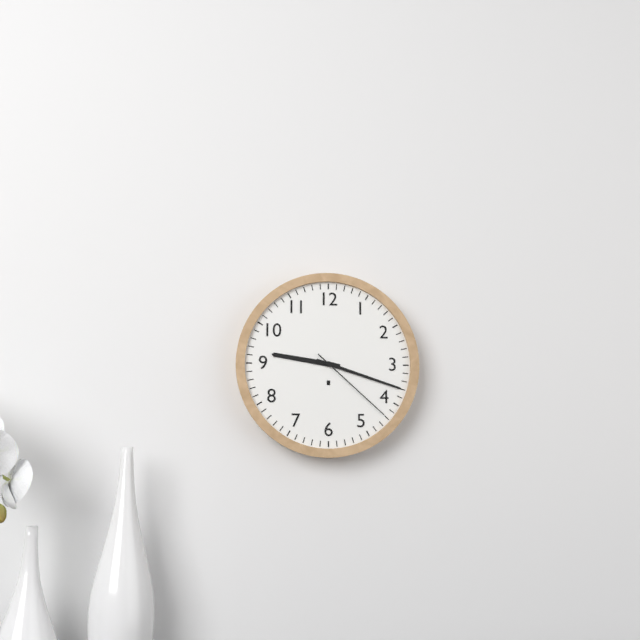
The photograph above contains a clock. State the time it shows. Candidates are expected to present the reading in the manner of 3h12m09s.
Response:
9h18m22s
